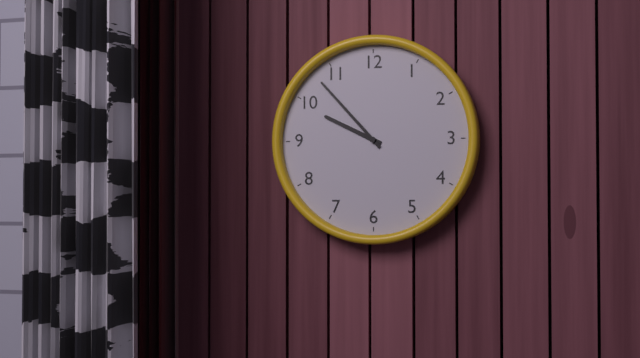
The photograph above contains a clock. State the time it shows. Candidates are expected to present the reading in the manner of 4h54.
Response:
9h53
